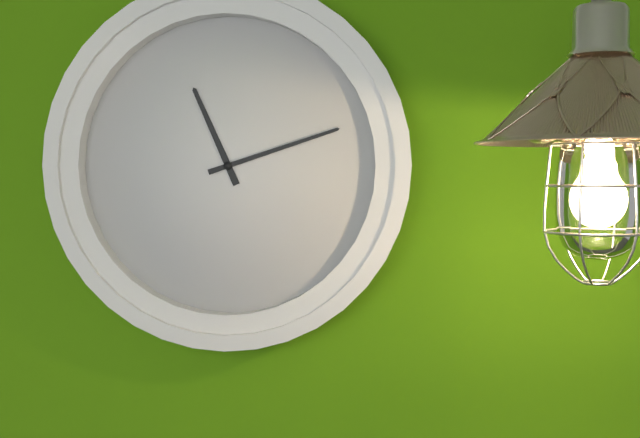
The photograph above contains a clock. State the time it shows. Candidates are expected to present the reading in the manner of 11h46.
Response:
11h12
